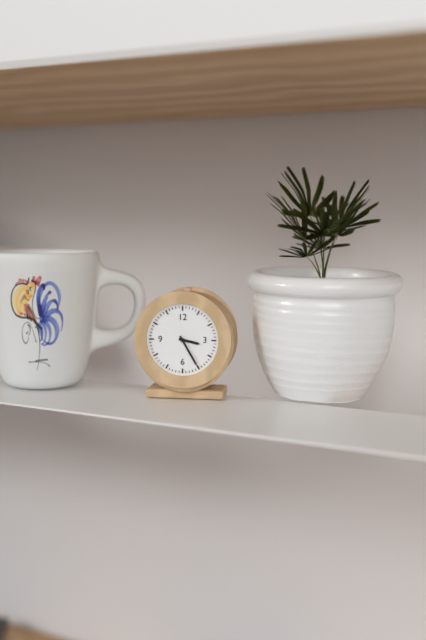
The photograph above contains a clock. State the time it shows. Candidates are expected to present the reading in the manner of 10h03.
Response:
3h25
